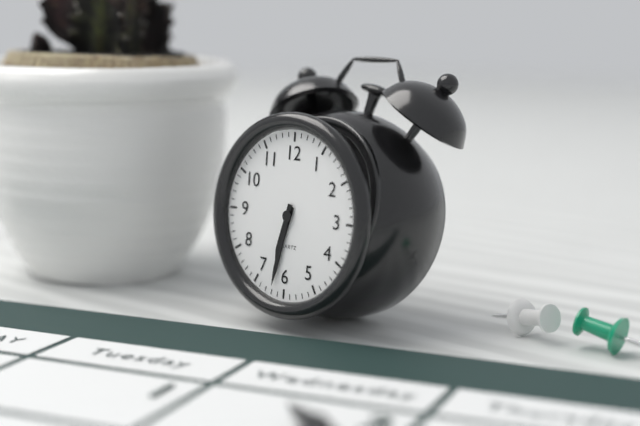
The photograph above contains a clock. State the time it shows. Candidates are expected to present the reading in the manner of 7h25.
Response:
6h32
